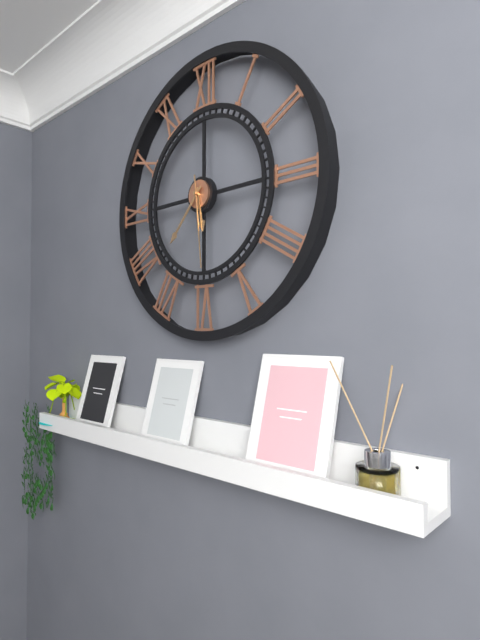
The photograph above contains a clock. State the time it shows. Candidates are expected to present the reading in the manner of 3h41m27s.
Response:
5h37m29s
